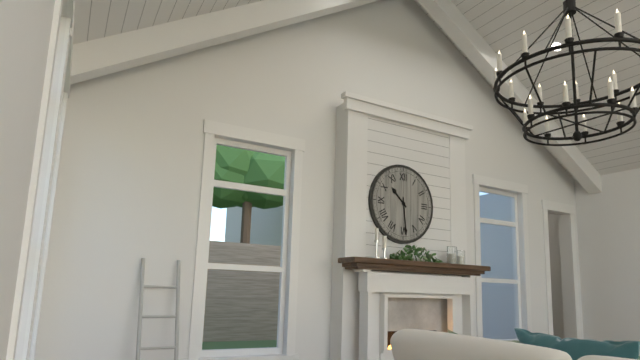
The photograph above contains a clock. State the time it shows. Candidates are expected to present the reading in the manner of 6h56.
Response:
10h29
